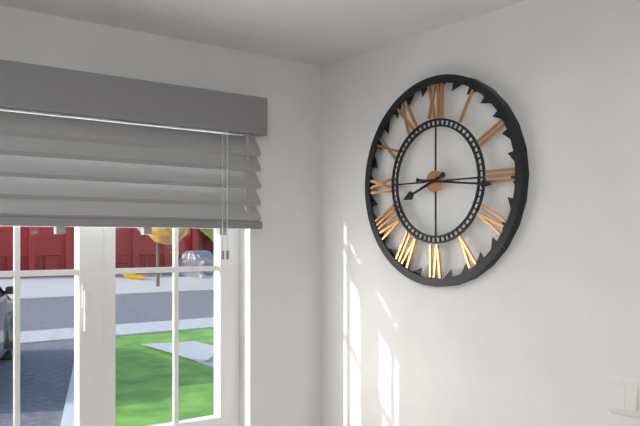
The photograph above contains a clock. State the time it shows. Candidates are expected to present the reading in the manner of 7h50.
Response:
8h16
